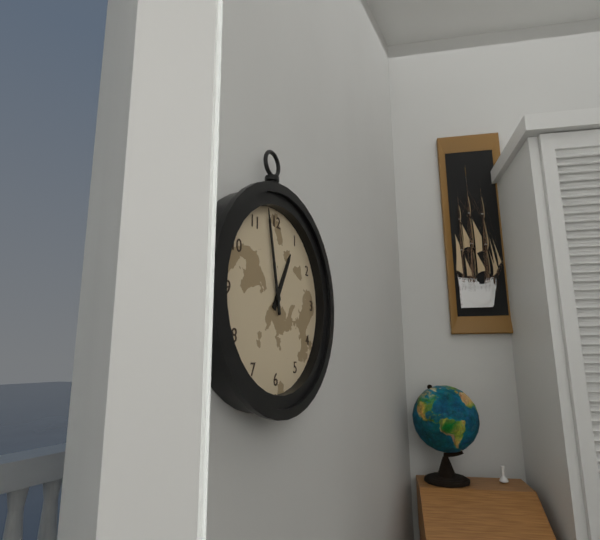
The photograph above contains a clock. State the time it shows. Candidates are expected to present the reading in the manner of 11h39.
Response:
12h58
